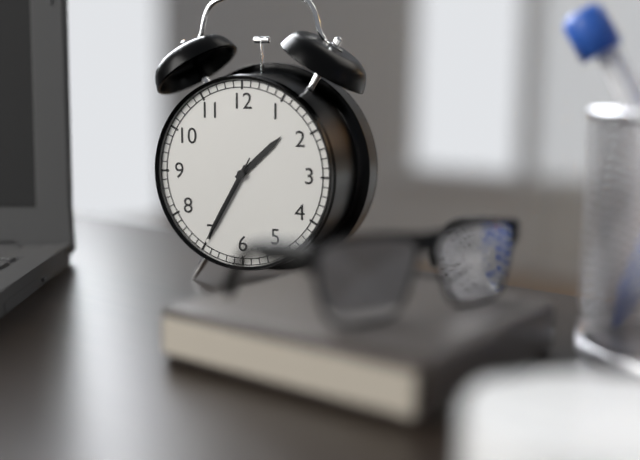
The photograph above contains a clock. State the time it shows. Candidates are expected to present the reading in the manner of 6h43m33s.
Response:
1h35m35s
